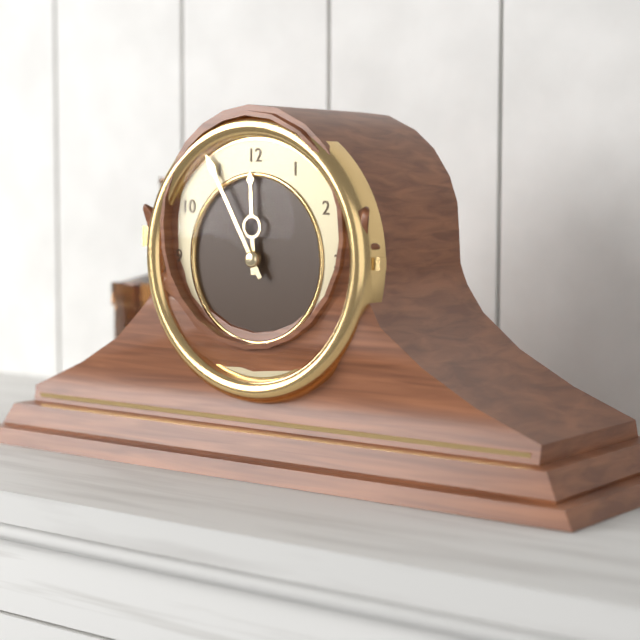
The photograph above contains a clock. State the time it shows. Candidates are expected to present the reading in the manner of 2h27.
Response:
11h55
